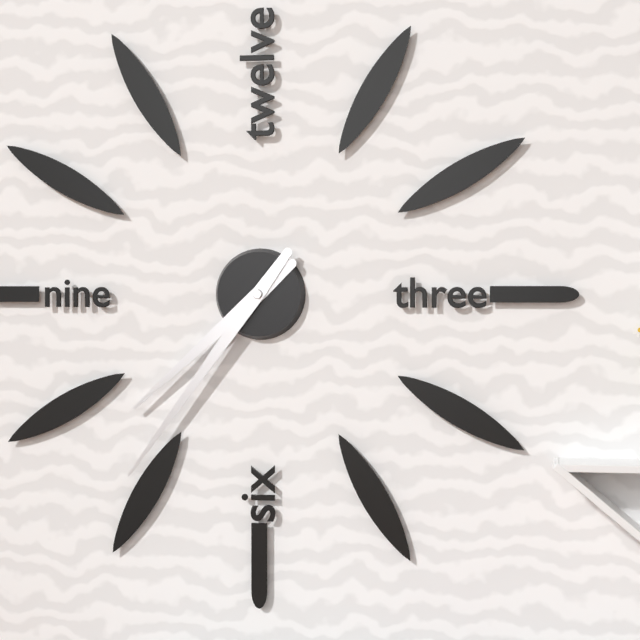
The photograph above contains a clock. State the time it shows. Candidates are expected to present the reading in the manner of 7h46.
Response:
7h36
